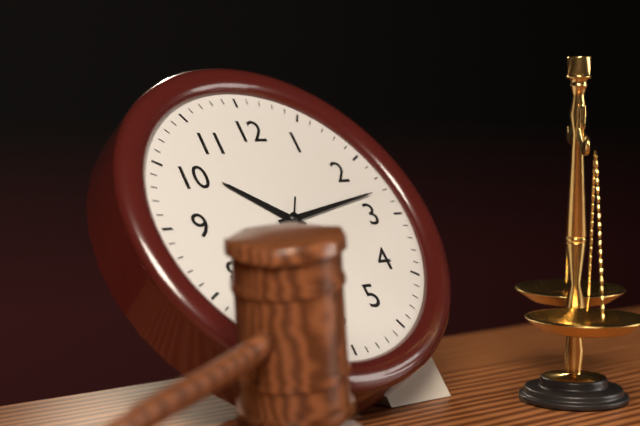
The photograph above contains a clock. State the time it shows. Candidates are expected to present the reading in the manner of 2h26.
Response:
10h13
